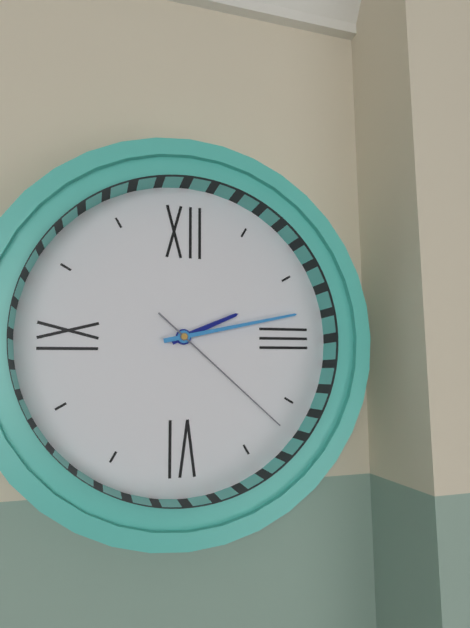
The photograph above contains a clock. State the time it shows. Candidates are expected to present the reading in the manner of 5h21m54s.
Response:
2h13m22s
